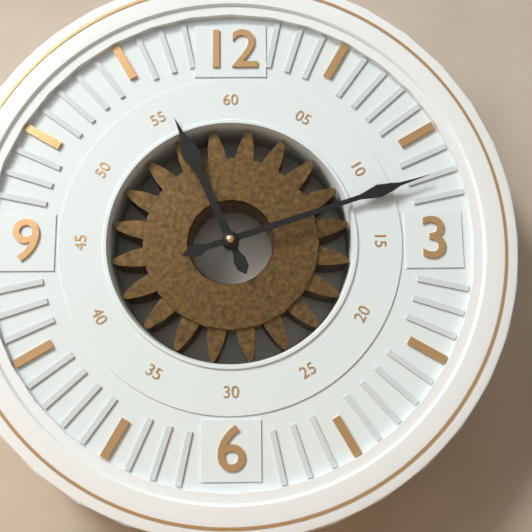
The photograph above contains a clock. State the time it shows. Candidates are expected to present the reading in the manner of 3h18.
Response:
11h12
